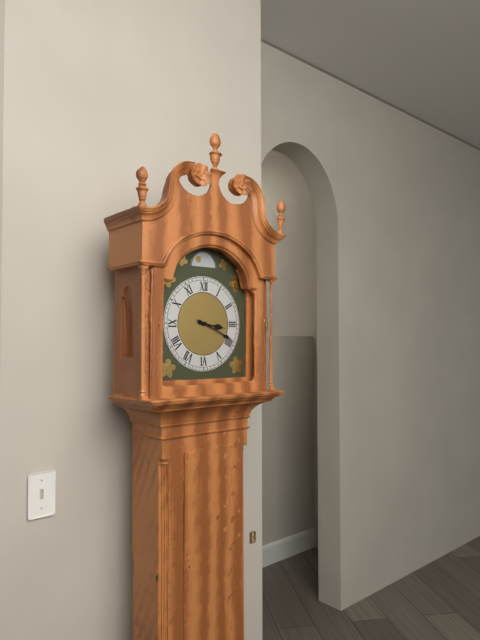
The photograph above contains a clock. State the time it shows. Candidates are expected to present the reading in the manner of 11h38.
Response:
3h19
